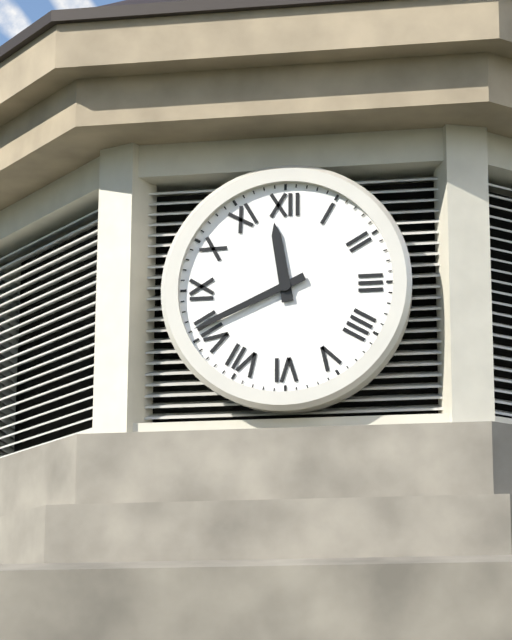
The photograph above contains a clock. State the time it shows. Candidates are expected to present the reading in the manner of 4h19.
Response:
11h41
